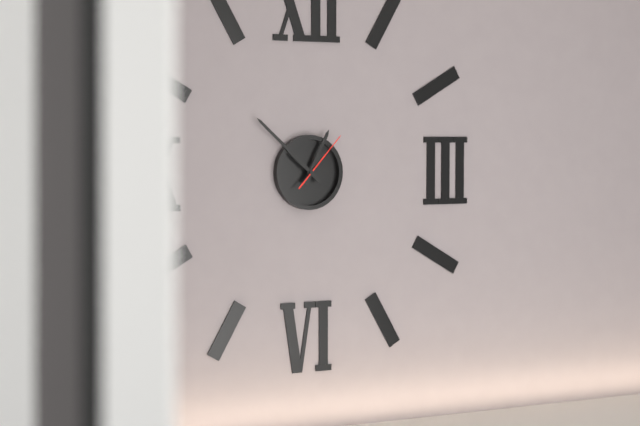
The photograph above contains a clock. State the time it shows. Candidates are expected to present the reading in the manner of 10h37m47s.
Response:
12h52m07s
